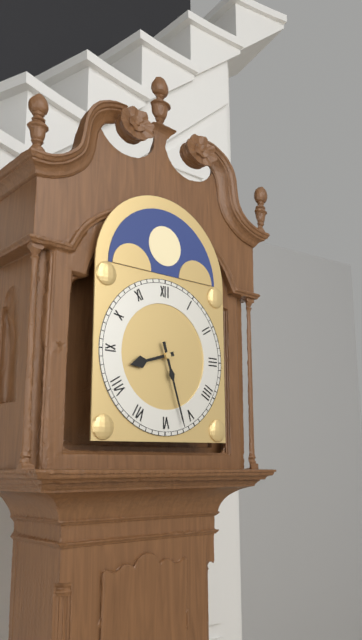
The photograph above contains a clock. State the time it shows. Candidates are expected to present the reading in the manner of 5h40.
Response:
8h27
